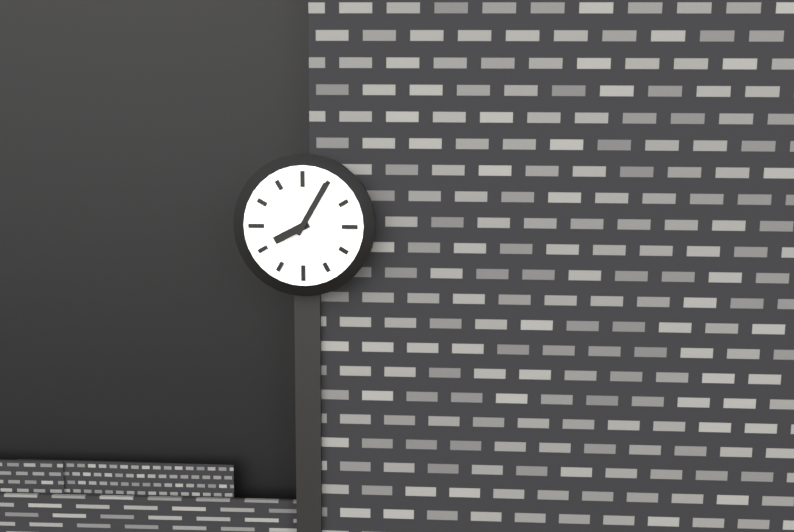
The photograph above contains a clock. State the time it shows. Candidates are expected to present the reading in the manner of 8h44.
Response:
8h05
